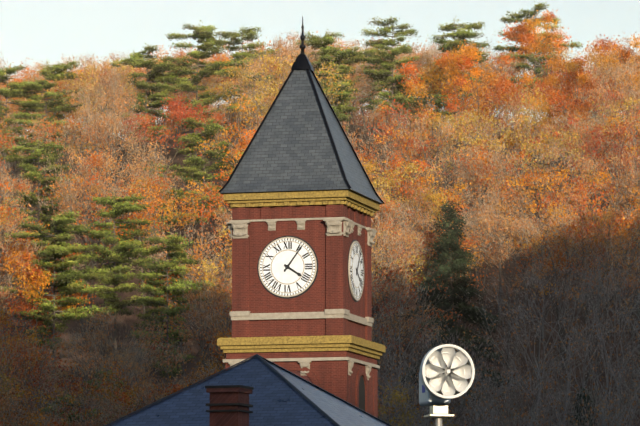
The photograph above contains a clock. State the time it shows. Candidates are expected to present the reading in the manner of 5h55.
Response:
4h06
